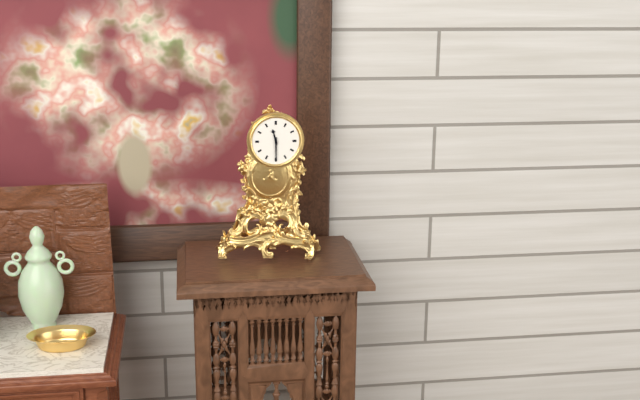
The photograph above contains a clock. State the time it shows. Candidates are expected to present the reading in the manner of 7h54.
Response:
11h30
